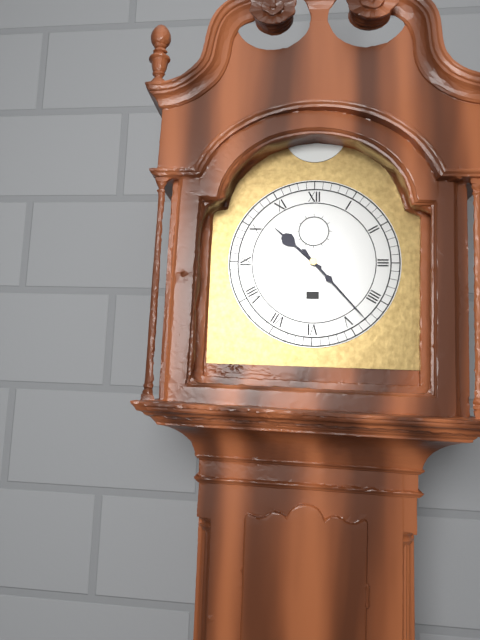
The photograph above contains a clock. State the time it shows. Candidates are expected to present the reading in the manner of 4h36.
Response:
10h23
